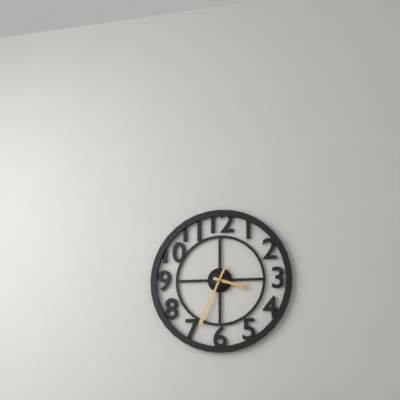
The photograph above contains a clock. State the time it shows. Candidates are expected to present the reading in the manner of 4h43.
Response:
3h34
